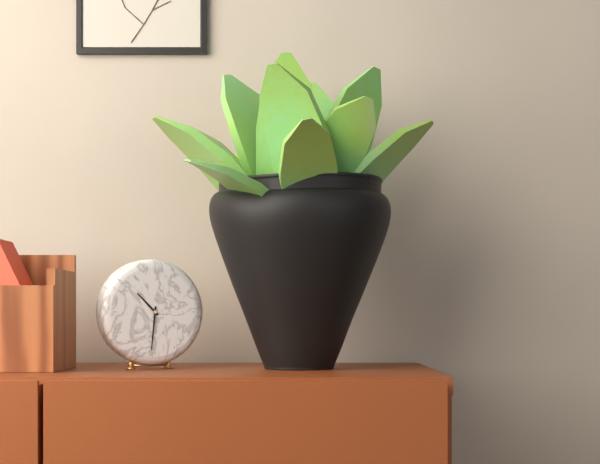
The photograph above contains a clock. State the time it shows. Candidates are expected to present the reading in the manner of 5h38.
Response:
10h31
